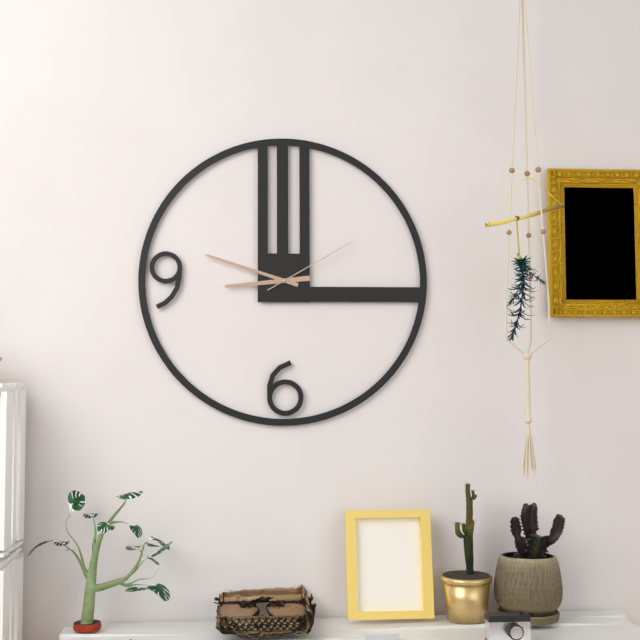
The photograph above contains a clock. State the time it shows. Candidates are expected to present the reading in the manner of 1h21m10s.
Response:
8h48m10s
